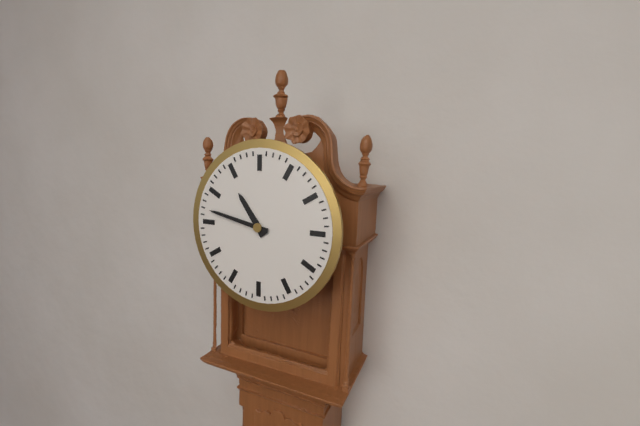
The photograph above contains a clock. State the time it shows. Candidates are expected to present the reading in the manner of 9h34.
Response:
10h47
